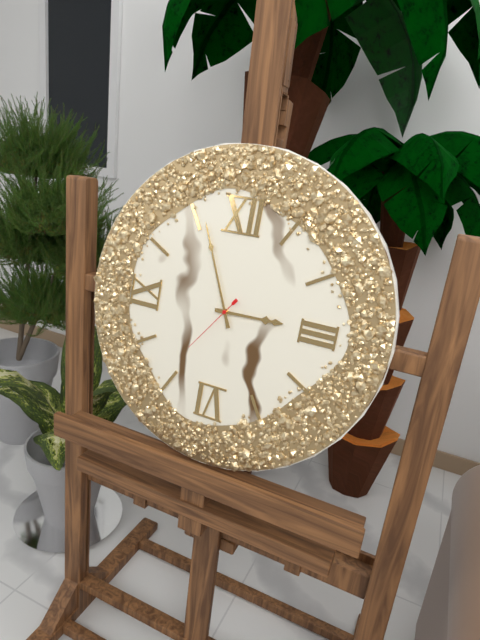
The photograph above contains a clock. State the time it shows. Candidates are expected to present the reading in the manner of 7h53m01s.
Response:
2h56m36s
